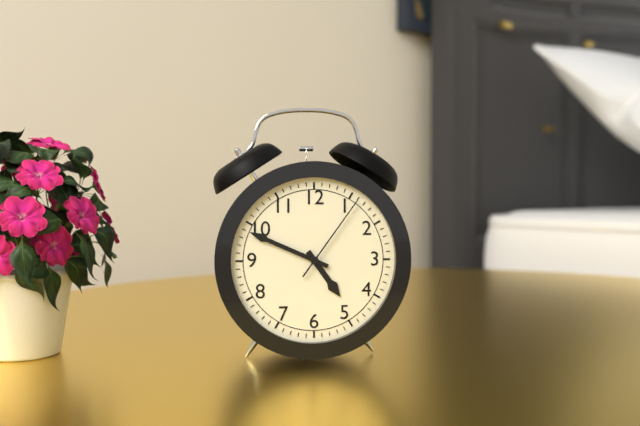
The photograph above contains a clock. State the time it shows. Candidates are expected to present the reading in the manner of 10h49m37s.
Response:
4h49m06s
